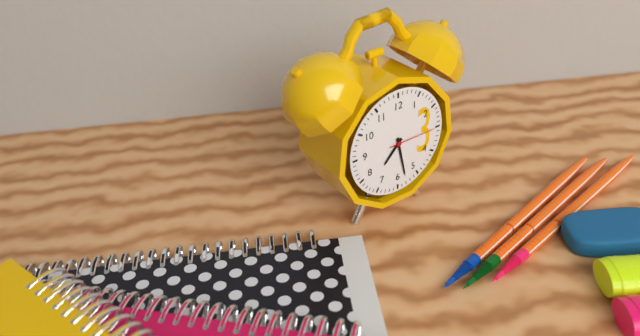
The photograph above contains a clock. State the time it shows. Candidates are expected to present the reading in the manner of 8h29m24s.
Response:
7h28m15s
